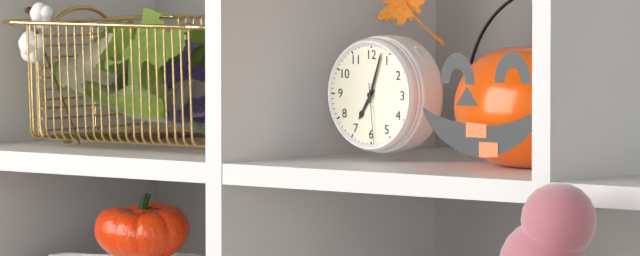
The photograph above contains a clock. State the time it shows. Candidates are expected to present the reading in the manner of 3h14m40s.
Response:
7h03m29s
